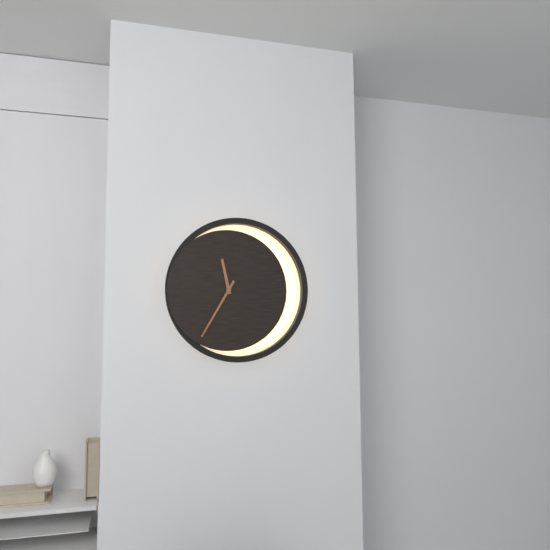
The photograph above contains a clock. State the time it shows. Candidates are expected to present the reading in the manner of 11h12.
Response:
11h35
